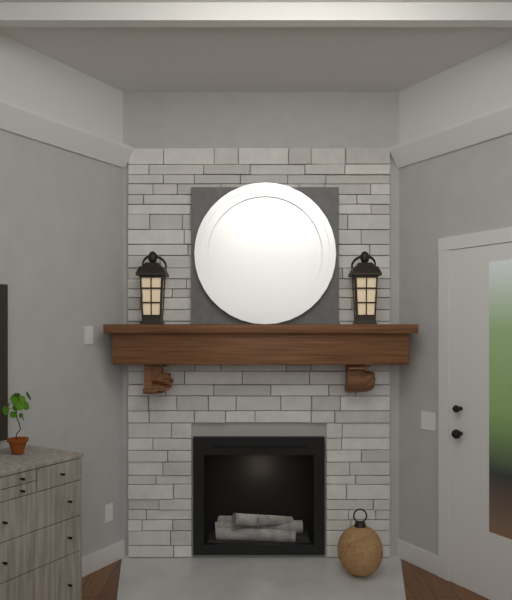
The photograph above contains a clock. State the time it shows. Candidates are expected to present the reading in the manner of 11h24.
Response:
8h38
